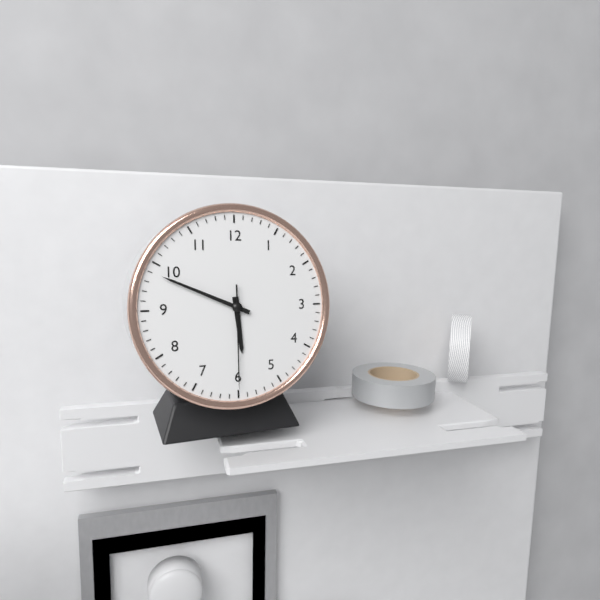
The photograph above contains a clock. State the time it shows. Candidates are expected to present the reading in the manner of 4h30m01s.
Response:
5h49m30s
